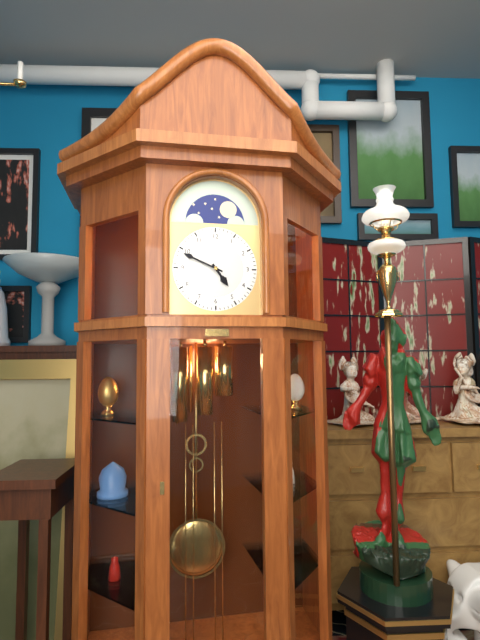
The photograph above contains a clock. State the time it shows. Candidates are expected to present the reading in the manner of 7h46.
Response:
4h49
